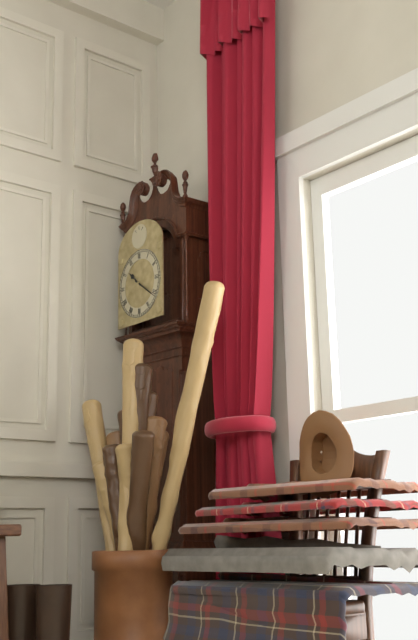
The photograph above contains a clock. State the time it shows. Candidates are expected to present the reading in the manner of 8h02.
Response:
10h21
